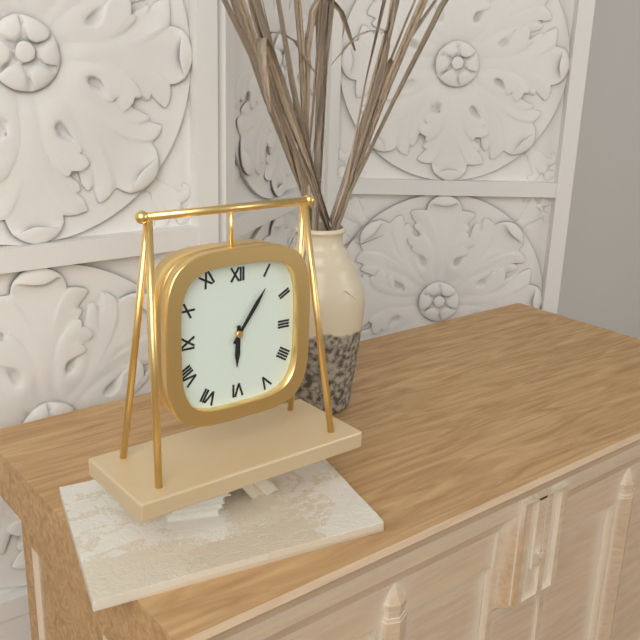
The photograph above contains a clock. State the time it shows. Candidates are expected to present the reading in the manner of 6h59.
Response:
6h06
